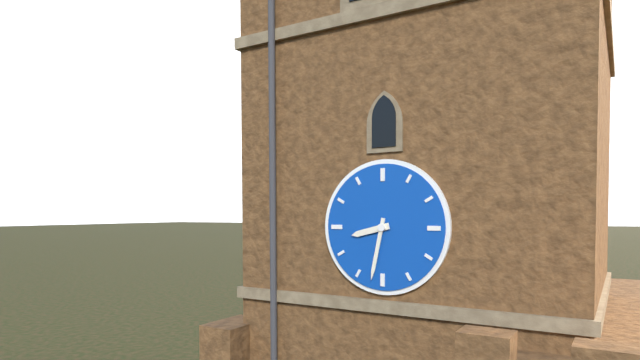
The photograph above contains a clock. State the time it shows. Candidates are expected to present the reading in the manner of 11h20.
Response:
8h32
